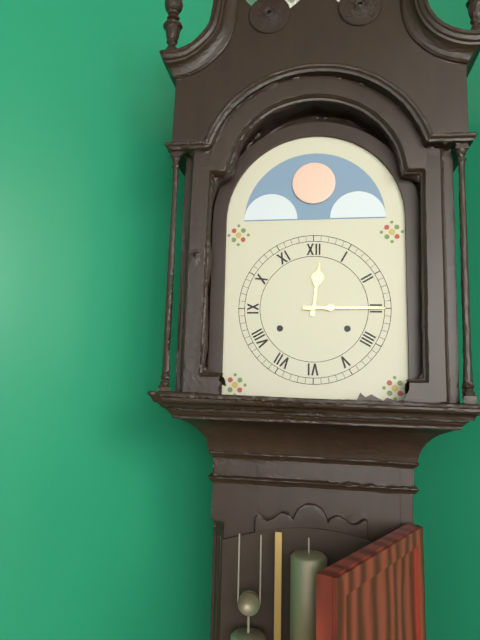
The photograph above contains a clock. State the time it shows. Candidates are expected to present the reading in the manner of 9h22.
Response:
12h15
